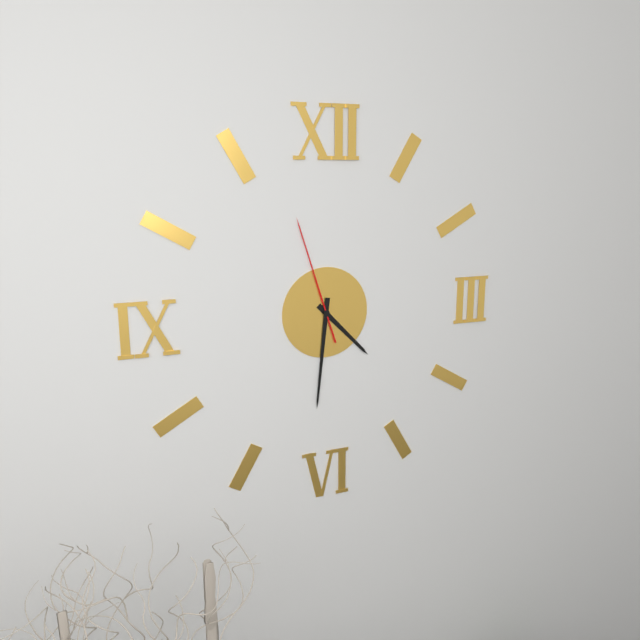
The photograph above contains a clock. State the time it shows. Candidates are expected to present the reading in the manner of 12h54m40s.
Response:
4h31m57s
